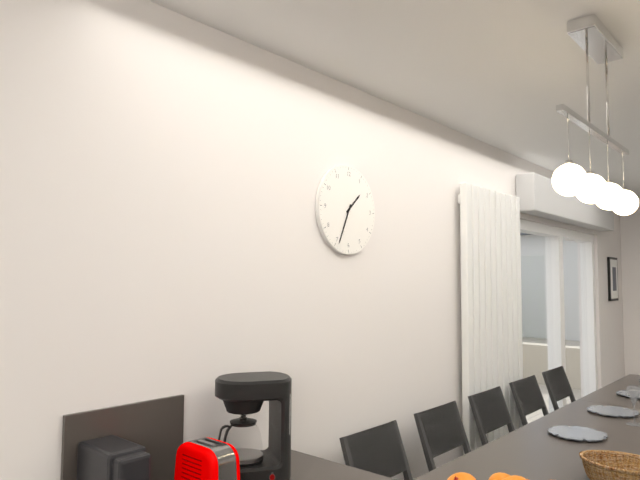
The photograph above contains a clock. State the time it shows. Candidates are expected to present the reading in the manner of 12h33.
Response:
1h34
